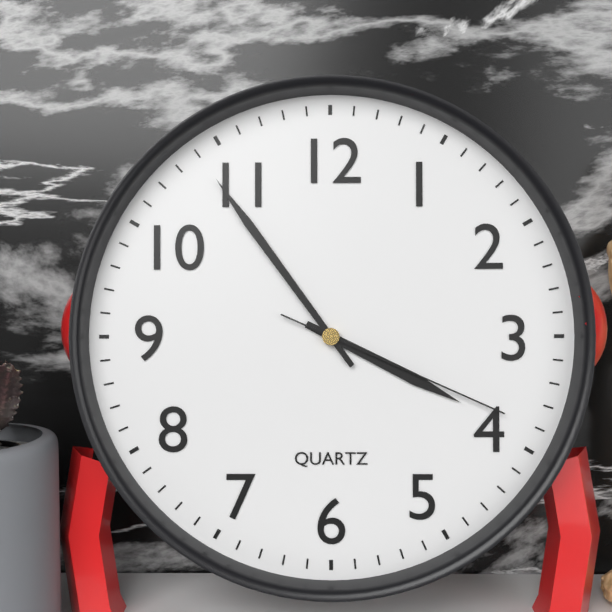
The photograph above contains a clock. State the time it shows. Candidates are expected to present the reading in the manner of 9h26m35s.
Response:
3h54m19s
